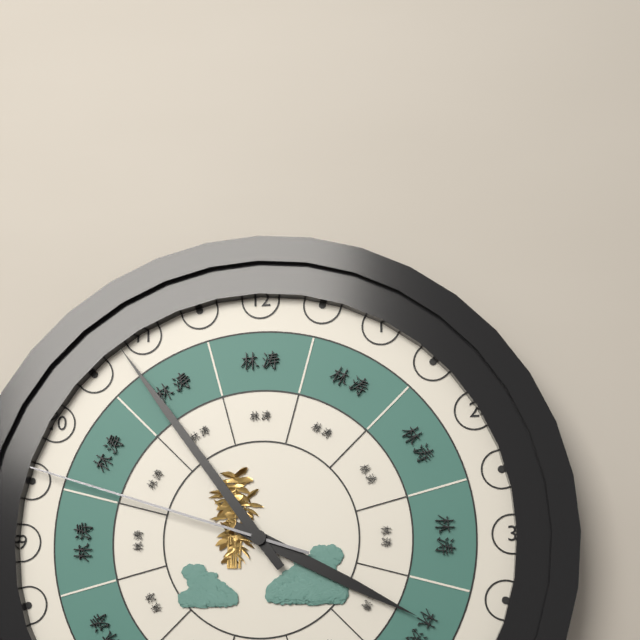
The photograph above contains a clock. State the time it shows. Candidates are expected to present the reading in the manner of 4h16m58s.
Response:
3h54m48s
